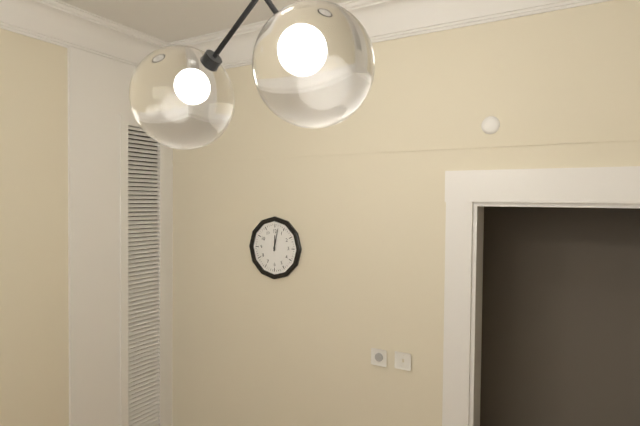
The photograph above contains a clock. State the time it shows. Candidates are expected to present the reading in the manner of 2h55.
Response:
12h02
